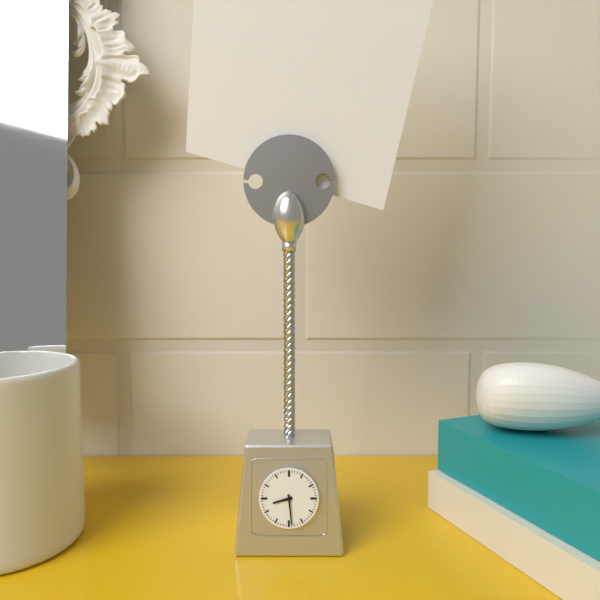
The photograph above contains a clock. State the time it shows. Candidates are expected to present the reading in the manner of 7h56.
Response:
8h29
